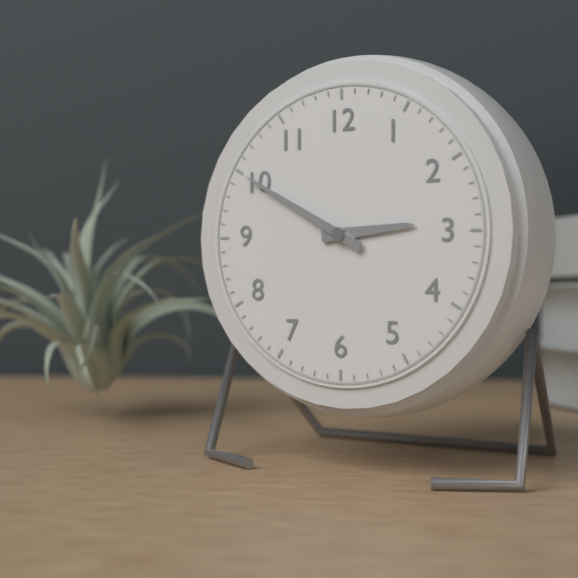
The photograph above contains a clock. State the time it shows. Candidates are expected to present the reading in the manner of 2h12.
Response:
2h50
